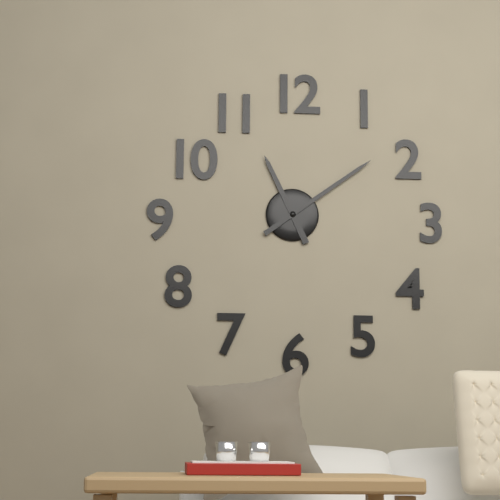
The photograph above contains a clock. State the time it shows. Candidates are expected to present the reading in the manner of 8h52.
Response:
11h09
